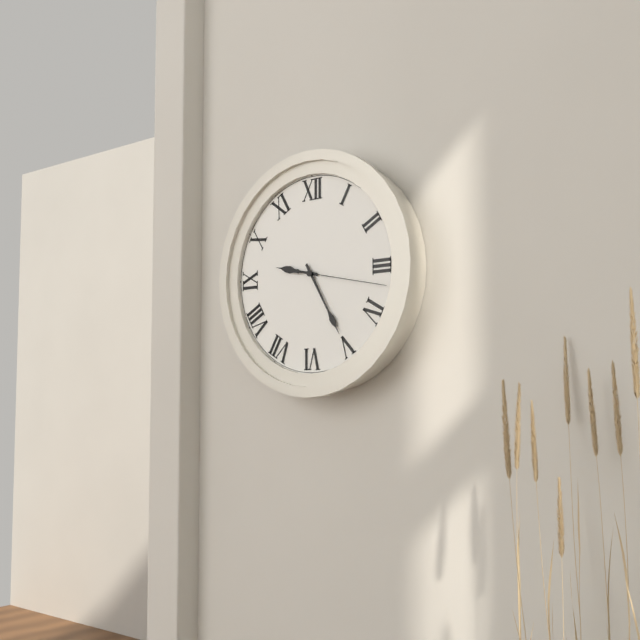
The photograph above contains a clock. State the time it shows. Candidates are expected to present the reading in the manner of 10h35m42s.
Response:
9h25m17s
